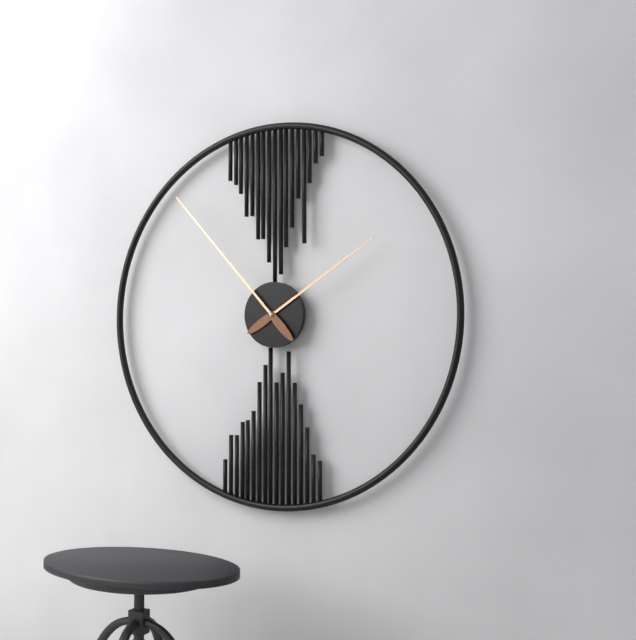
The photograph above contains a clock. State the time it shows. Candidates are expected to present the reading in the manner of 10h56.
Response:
1h53
